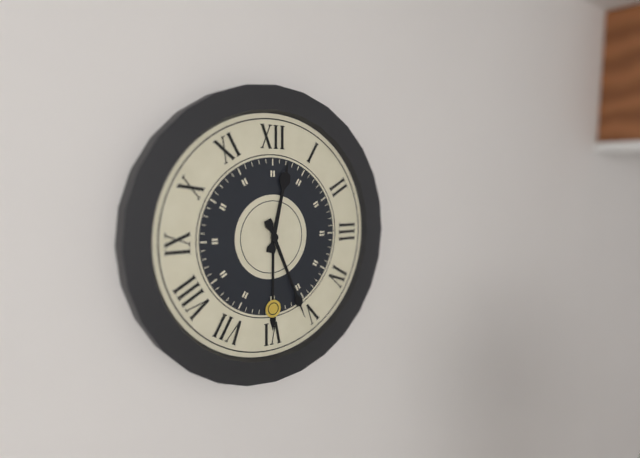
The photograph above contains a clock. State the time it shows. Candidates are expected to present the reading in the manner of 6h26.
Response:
12h26
